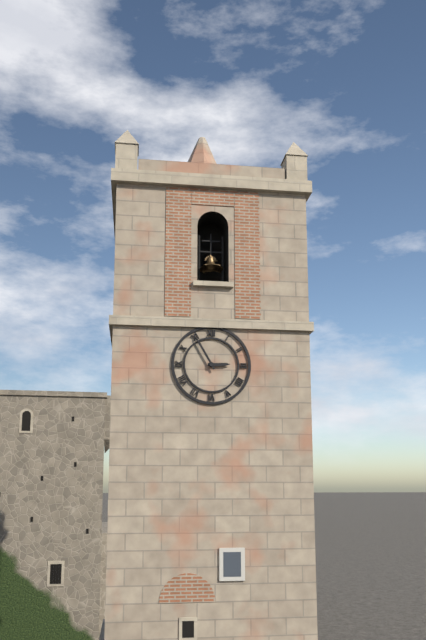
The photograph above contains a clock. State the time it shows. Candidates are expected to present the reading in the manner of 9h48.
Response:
2h55
